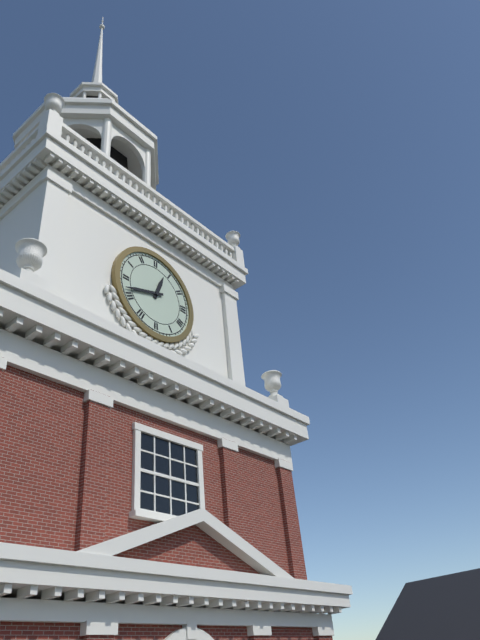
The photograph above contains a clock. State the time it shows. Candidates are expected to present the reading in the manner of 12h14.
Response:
12h42
